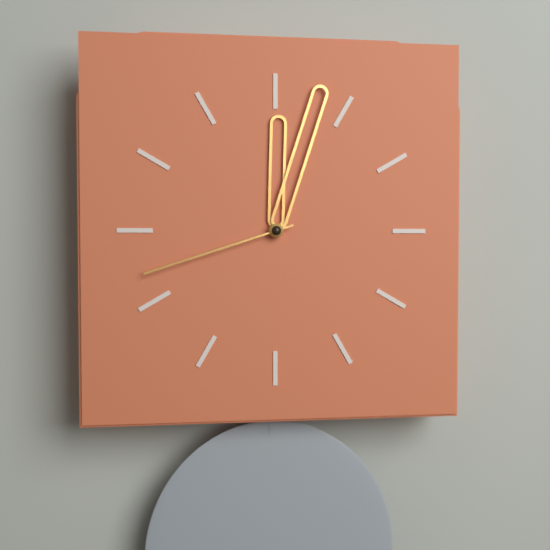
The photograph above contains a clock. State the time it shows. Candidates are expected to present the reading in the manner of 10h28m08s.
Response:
12h03m42s
